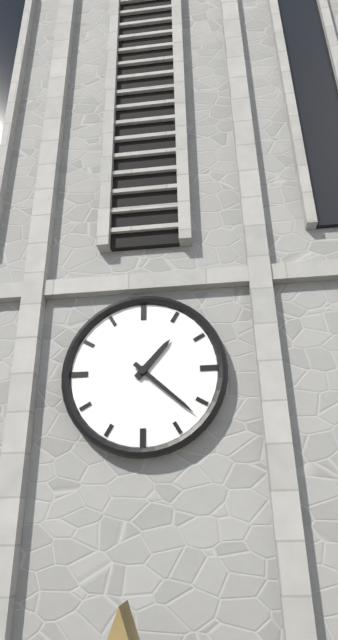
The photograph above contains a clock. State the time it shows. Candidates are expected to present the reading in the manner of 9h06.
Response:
1h22
